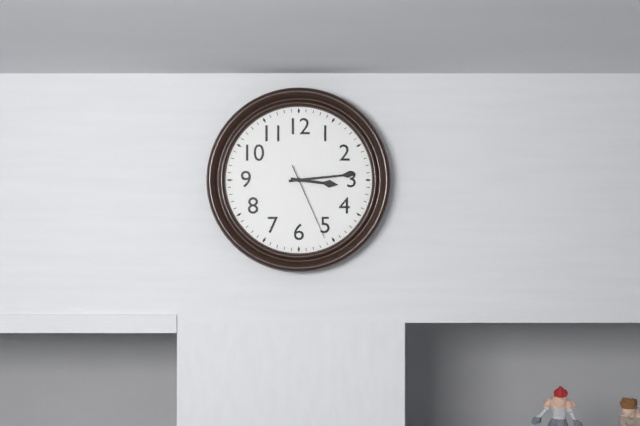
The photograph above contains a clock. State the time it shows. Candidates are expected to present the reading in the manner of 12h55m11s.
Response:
3h14m26s
